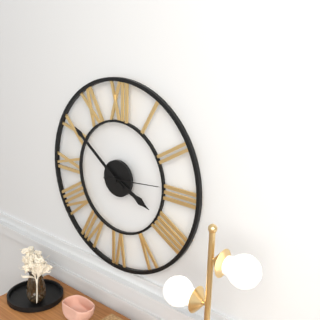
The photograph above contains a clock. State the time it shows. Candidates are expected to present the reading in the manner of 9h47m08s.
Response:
3h51m14s
